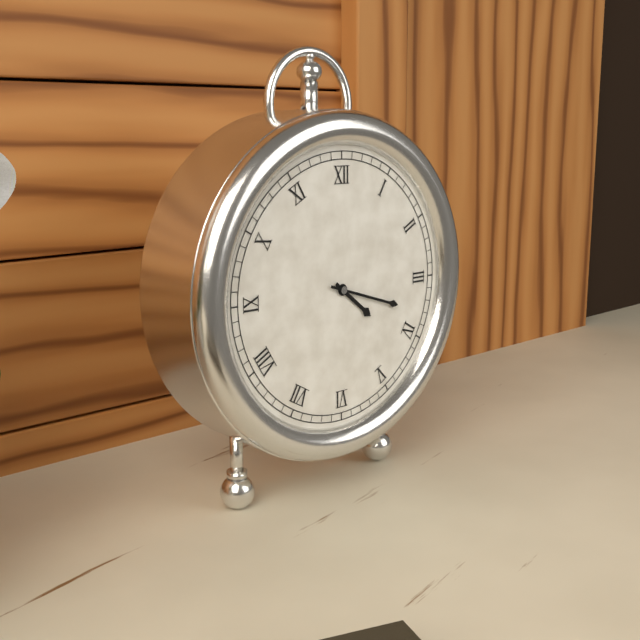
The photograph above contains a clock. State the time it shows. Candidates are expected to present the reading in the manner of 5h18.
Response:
4h18
